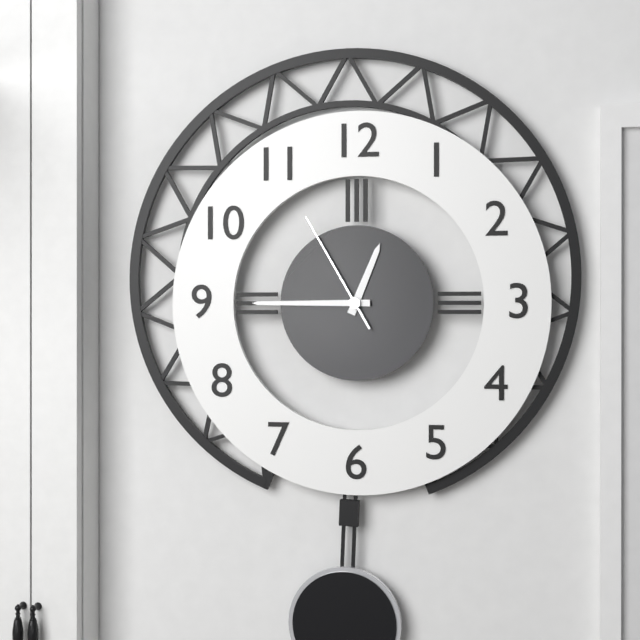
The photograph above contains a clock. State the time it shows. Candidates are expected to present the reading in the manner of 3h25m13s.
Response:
12h45m55s
